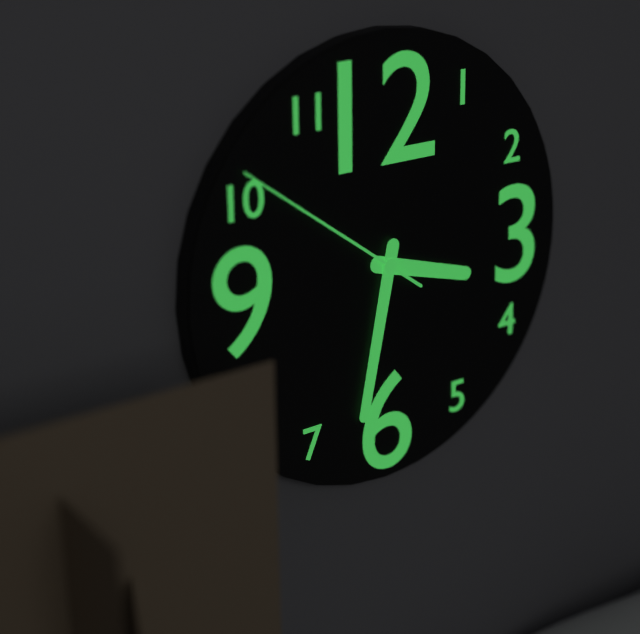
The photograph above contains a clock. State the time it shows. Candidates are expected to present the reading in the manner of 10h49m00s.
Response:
3h32m51s
